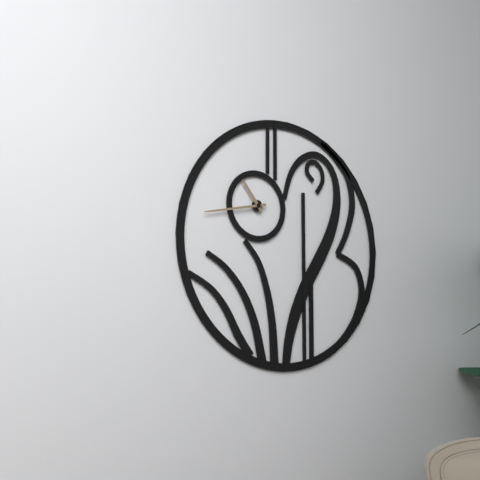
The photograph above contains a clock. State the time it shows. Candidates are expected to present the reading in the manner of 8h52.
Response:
10h43
